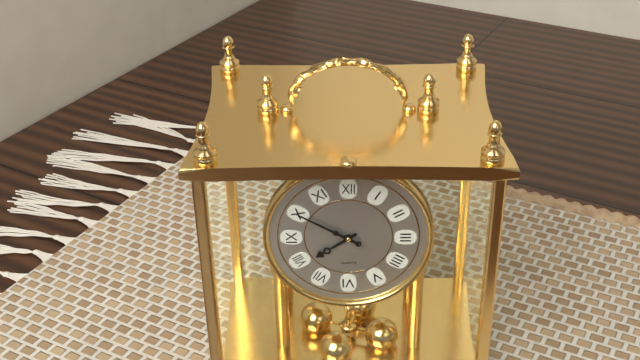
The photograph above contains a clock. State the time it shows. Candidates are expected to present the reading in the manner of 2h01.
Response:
7h50
